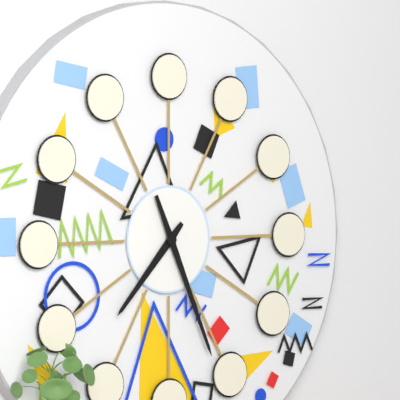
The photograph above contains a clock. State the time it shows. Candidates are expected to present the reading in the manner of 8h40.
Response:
7h26
